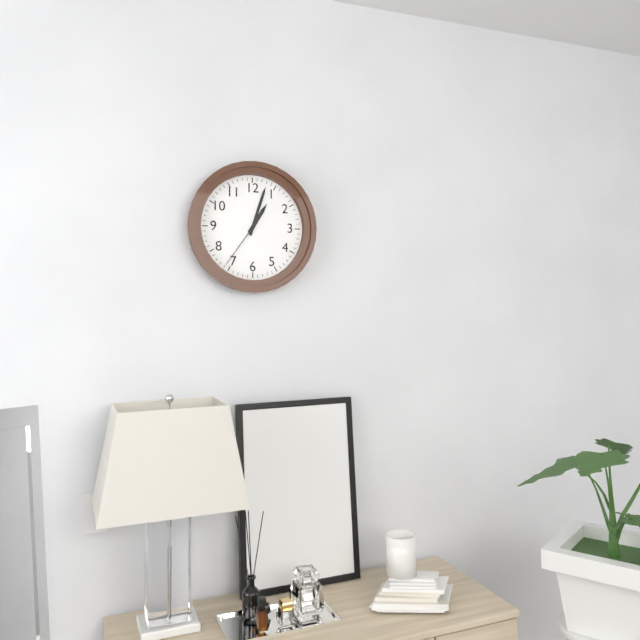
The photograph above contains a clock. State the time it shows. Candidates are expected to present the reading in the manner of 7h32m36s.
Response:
1h03m36s
